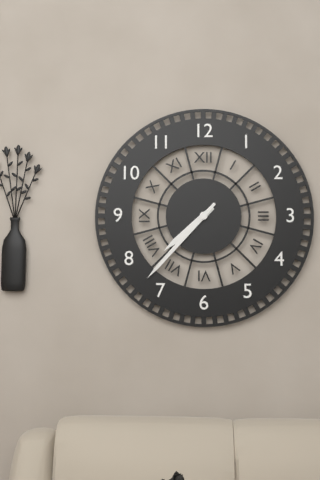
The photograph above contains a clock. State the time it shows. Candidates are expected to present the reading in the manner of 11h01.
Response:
7h37
